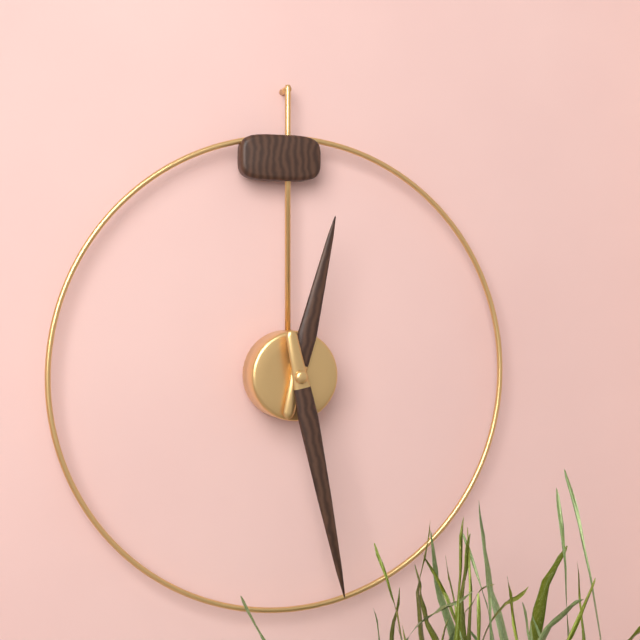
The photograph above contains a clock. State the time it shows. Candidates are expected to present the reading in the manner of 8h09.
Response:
12h28
